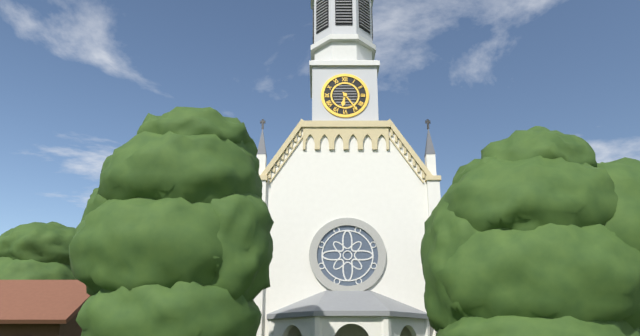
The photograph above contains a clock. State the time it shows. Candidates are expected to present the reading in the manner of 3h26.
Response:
6h24
